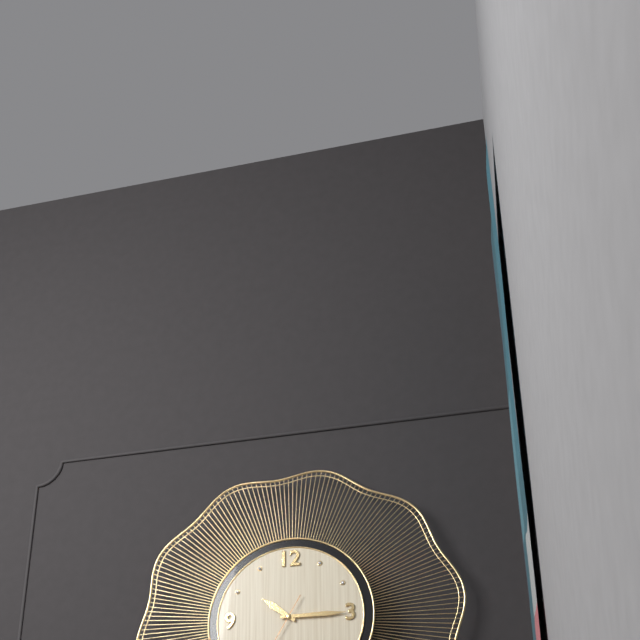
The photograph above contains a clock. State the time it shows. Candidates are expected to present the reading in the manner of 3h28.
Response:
10h15
